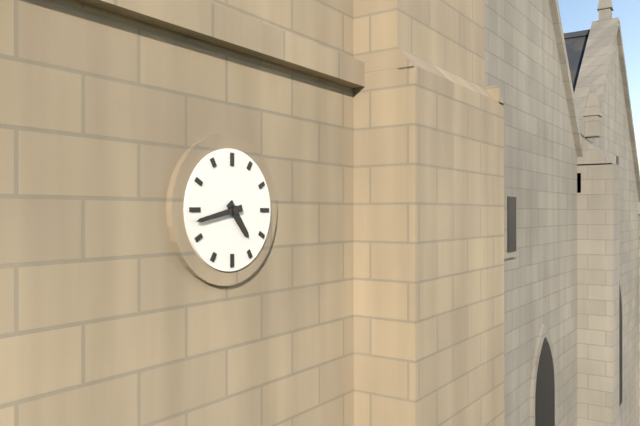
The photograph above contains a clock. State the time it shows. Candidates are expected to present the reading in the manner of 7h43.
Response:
4h43
